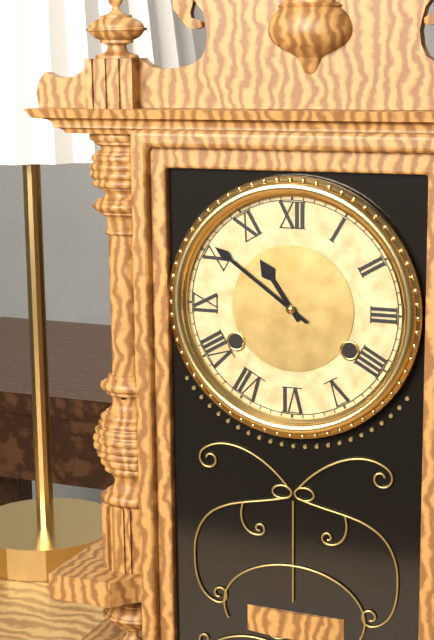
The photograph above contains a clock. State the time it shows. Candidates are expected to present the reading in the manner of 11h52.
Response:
10h51
